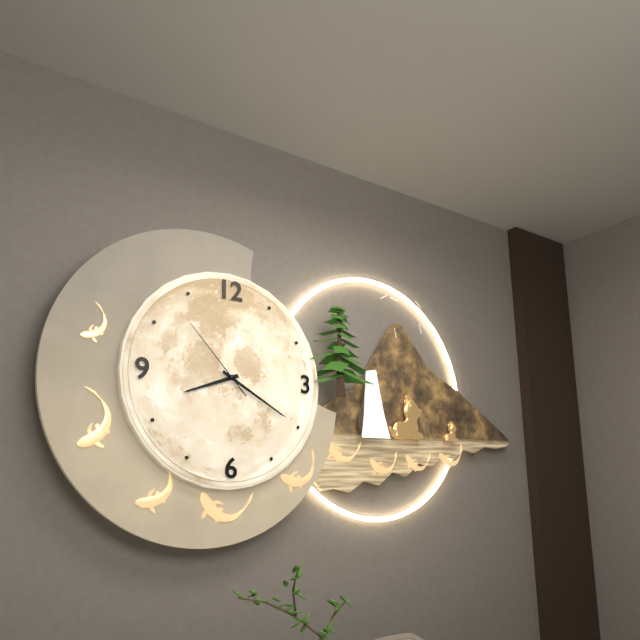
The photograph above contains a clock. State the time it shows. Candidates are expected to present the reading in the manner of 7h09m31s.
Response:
8h20m53s
